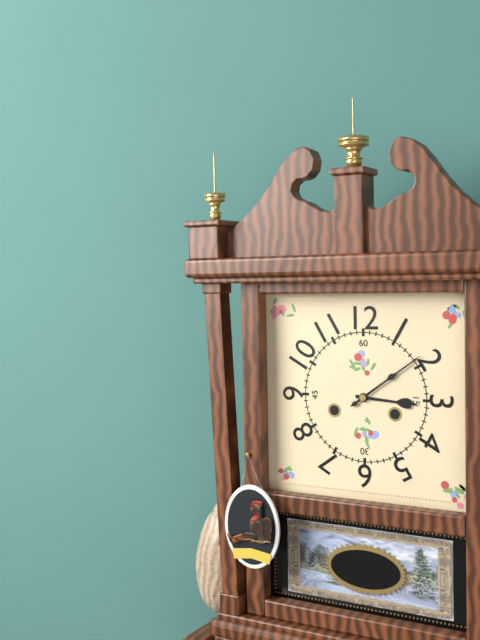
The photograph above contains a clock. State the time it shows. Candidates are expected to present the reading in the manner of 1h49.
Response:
3h09
